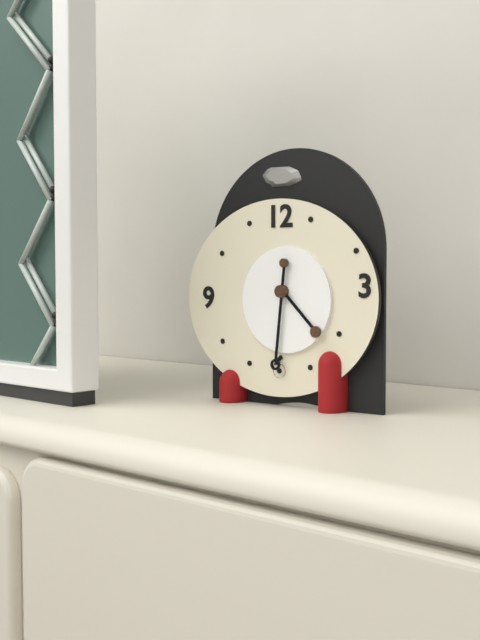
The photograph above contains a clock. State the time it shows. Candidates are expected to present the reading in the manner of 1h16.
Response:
4h31
